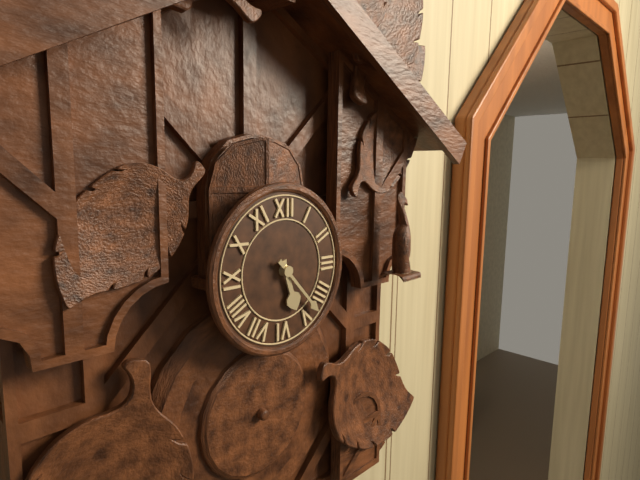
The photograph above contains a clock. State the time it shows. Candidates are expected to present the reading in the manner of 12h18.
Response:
5h23
